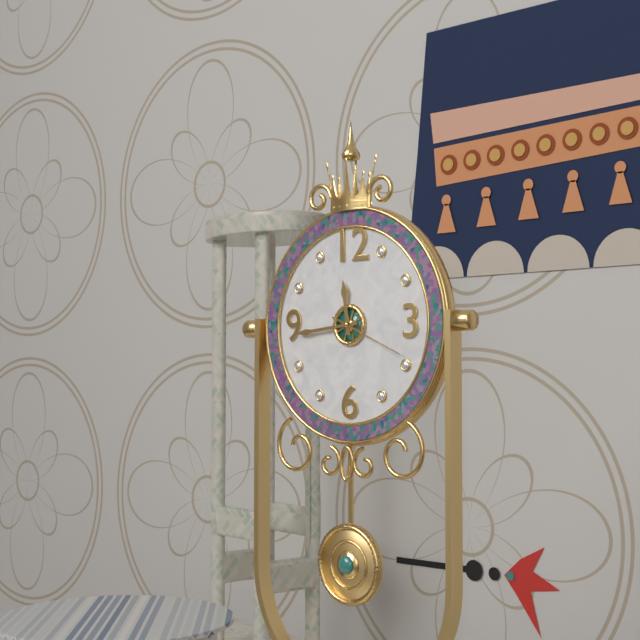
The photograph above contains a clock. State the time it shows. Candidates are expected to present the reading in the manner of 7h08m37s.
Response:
11h44m19s
